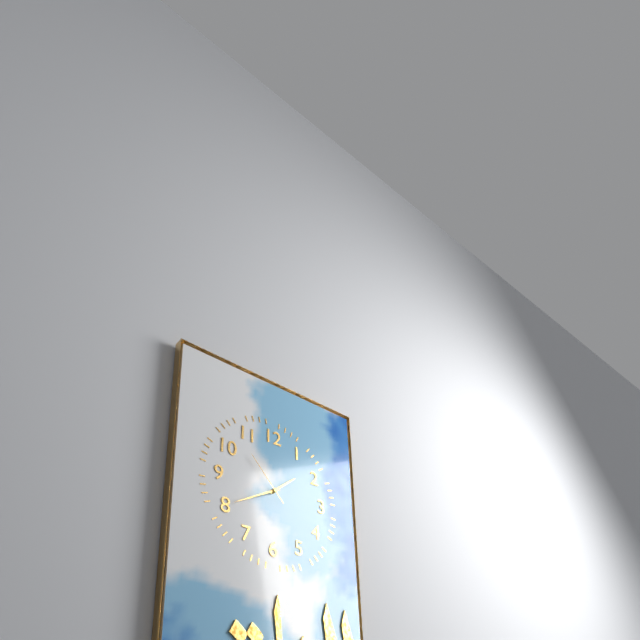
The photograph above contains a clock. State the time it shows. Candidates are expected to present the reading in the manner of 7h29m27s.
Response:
1h40m53s
